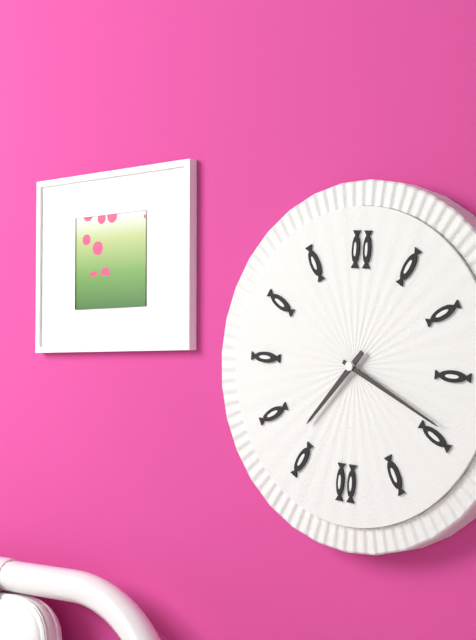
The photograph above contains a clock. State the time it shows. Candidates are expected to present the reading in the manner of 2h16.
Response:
7h19
